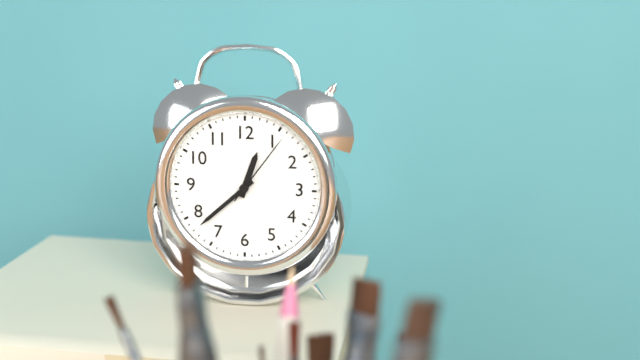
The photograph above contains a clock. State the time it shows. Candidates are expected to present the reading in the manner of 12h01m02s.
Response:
12h38m06s
